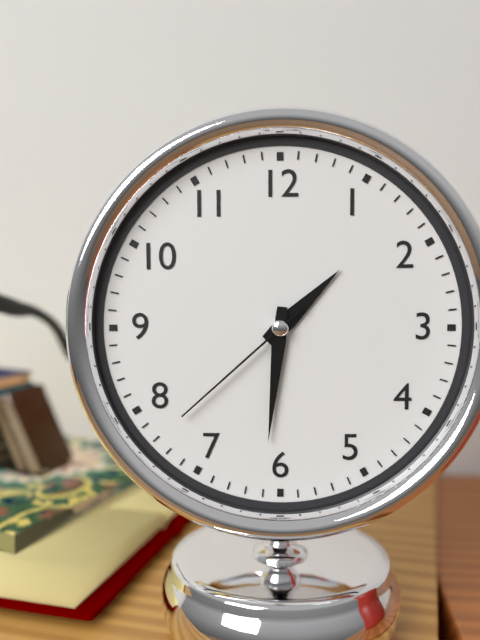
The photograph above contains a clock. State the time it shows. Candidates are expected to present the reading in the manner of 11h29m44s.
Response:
1h31m38s
